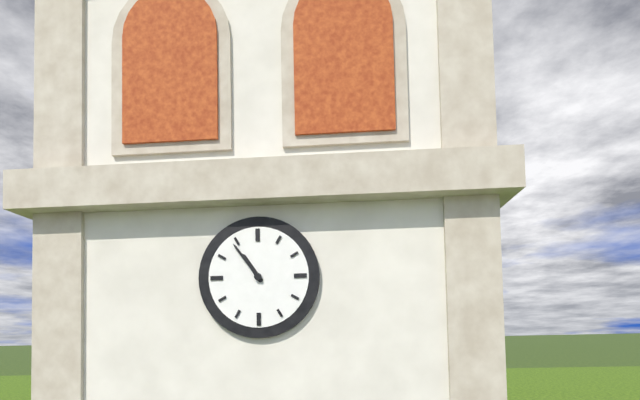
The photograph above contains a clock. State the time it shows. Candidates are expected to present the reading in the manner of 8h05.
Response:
10h54
